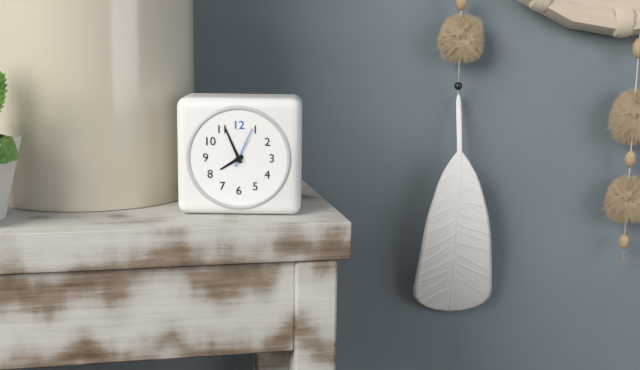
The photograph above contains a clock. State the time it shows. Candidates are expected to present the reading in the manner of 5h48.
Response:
7h56
